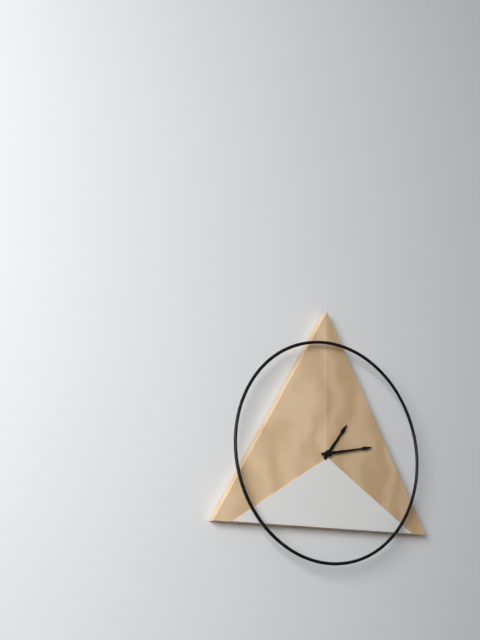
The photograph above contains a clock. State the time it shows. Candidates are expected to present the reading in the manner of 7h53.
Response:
1h13
